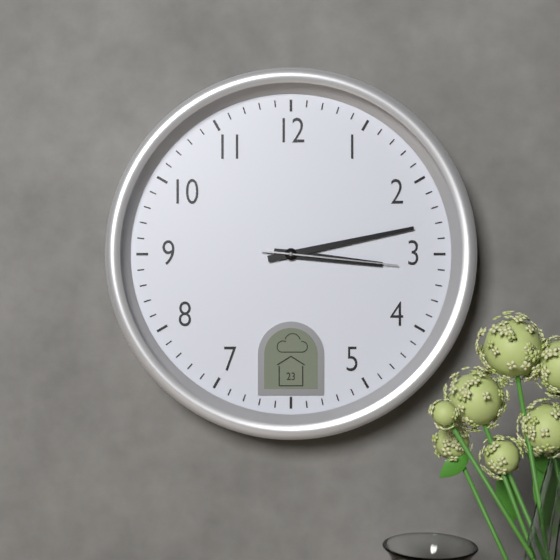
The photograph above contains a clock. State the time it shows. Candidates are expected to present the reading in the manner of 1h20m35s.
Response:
3h13m16s
